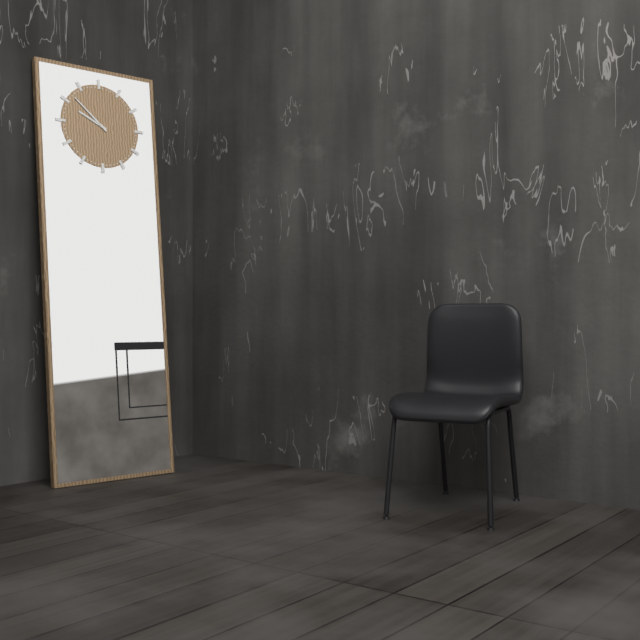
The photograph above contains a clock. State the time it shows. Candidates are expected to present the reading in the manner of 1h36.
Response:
9h52
